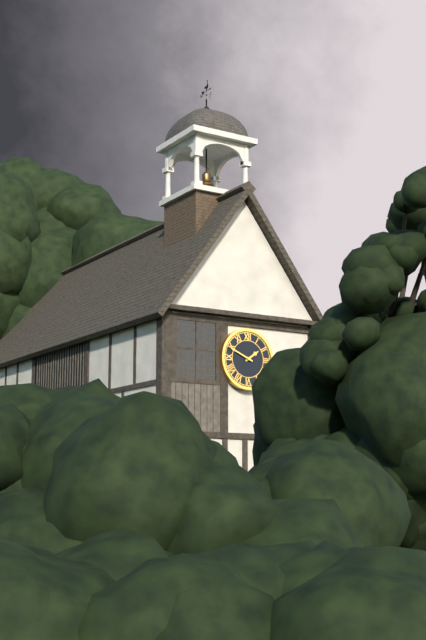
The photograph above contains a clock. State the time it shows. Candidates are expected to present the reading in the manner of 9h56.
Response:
1h49
